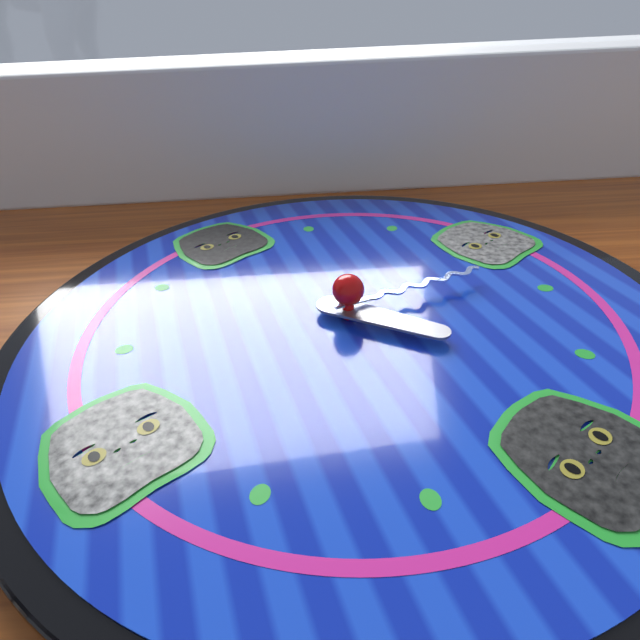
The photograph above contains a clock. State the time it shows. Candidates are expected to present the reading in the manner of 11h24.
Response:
5h18
